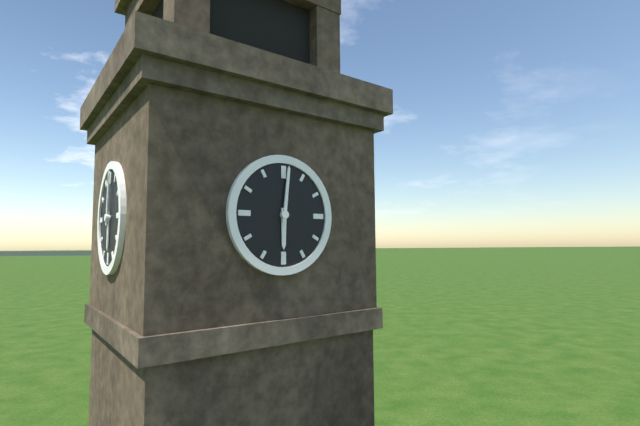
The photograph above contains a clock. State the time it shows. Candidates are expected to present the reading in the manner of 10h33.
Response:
6h01
